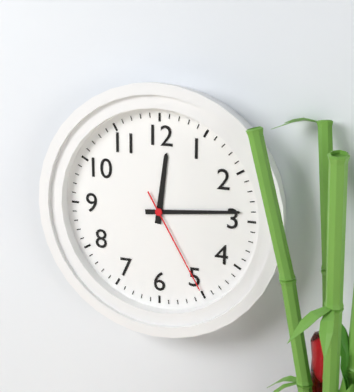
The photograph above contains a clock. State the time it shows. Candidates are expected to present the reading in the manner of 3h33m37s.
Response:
12h14m25s
